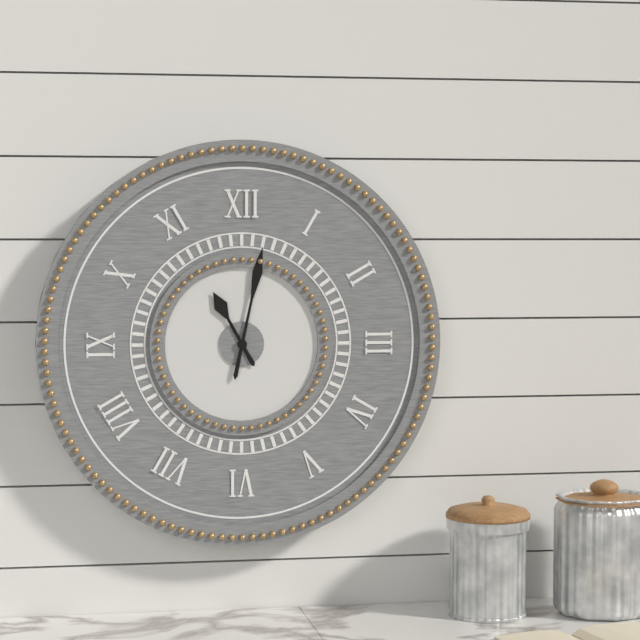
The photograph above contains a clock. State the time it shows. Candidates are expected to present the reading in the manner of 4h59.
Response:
11h02
